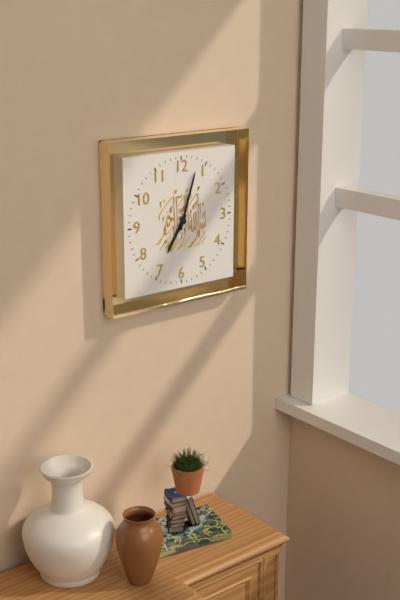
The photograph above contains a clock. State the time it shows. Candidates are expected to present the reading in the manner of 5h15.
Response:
7h03
